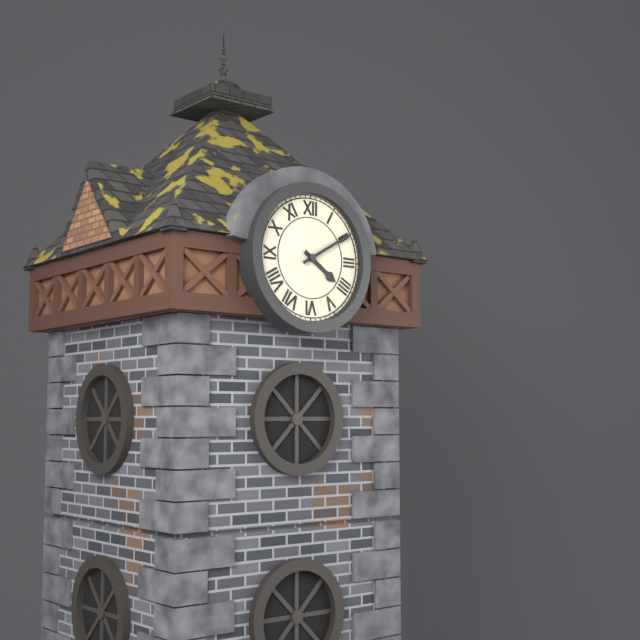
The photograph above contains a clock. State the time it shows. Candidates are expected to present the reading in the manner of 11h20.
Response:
4h10
